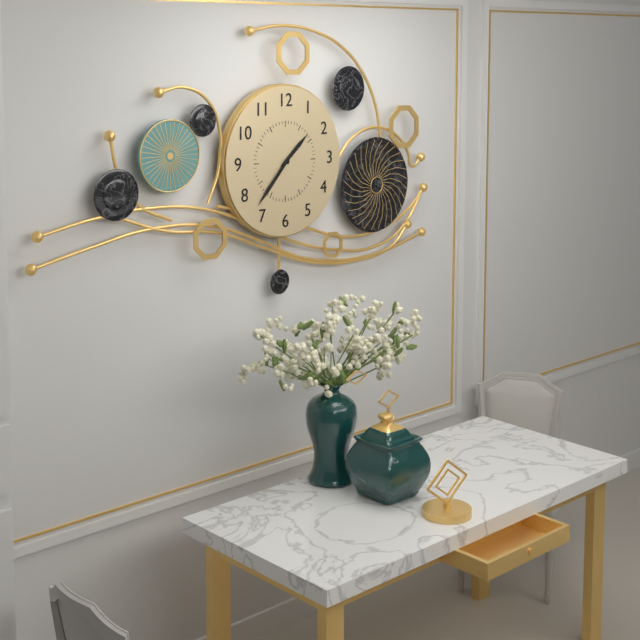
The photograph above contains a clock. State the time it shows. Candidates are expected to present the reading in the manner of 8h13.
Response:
1h37
